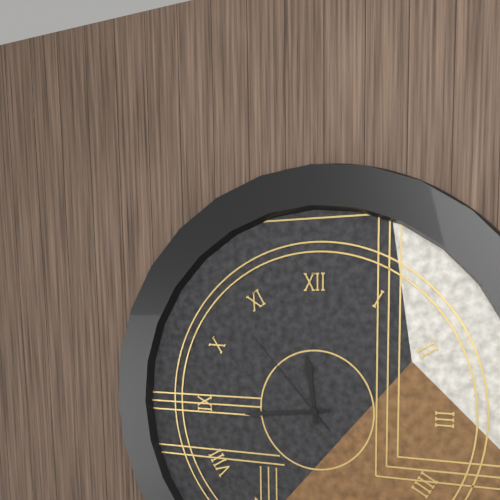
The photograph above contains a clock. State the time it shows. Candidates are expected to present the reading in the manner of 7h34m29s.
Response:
11h44m53s
